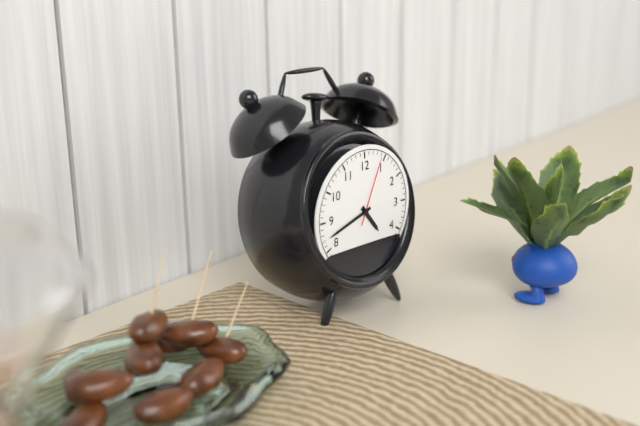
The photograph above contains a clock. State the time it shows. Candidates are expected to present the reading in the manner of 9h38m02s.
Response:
4h42m04s
